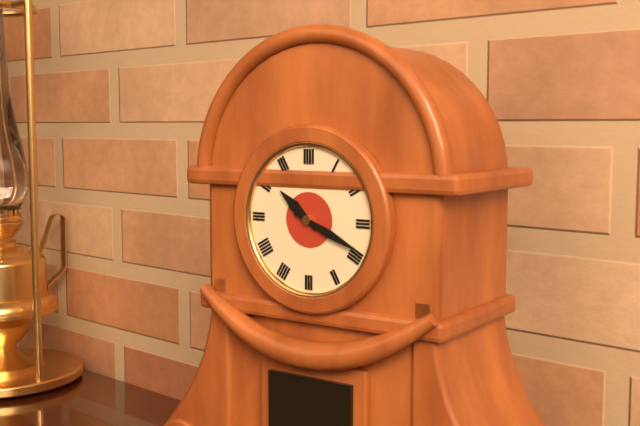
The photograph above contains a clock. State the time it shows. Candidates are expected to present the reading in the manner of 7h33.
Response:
10h19
